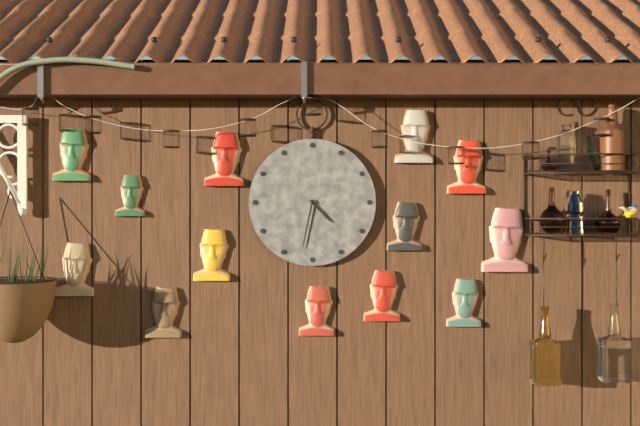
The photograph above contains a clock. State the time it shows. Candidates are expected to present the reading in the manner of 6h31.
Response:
4h32
